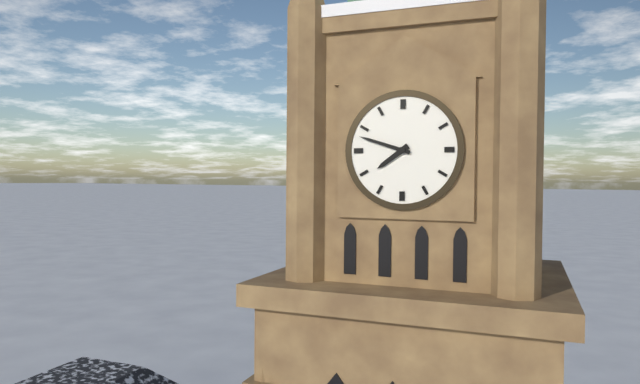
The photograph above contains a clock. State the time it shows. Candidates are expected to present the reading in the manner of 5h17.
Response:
7h48
